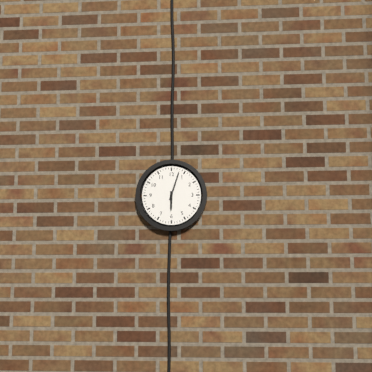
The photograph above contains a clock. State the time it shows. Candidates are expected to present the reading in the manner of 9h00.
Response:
6h03
